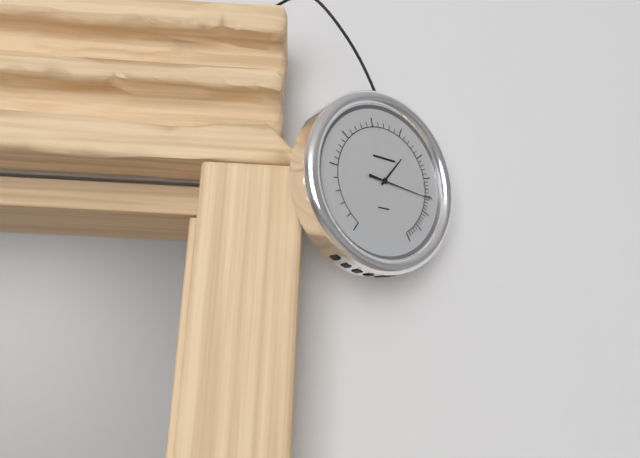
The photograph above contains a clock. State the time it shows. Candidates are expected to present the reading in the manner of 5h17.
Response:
1h16
